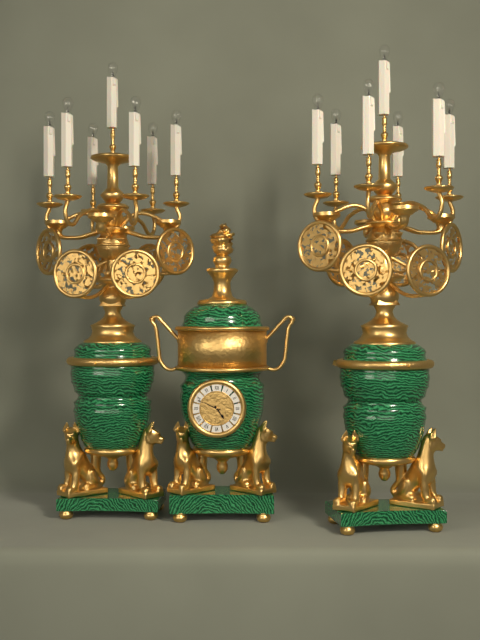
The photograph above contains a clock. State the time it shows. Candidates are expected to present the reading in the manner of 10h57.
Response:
4h49
